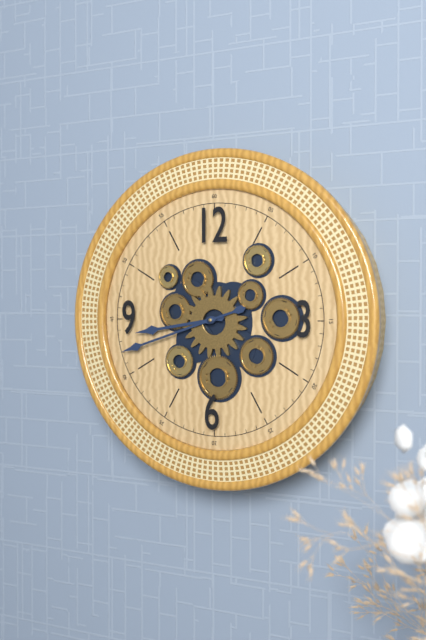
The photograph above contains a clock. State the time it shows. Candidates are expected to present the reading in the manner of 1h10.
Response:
8h42
